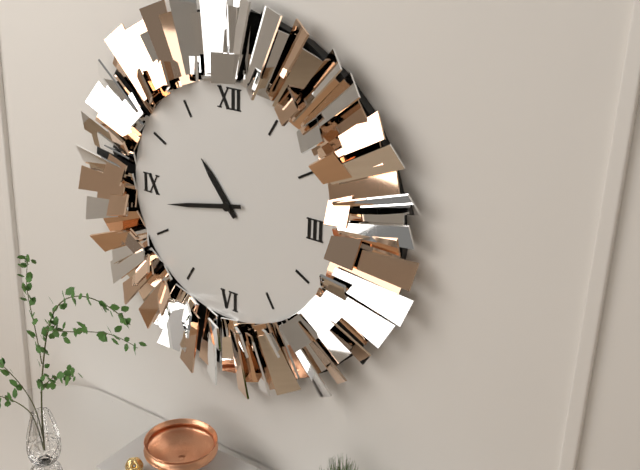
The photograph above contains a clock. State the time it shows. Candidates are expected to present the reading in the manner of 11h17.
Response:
10h43
